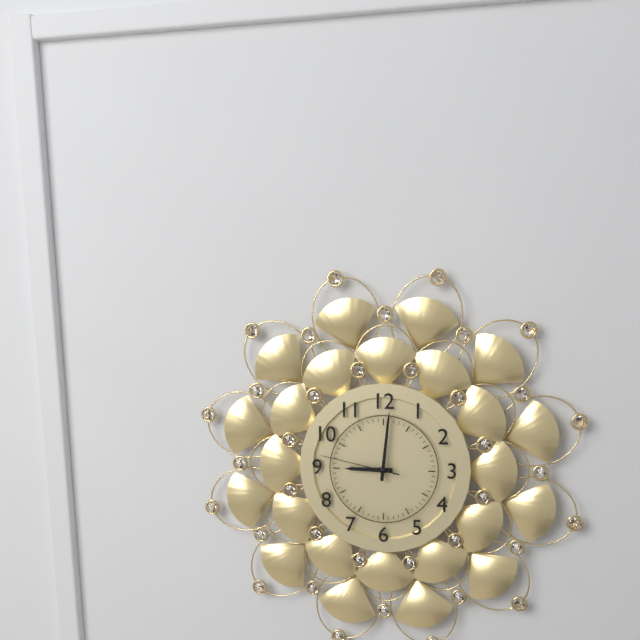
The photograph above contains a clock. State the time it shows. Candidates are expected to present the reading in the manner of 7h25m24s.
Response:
9h01m47s
